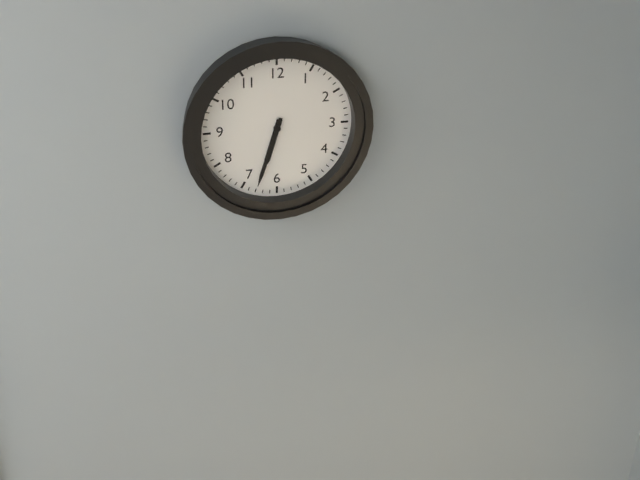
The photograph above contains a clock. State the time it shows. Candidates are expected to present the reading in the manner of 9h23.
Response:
6h33
